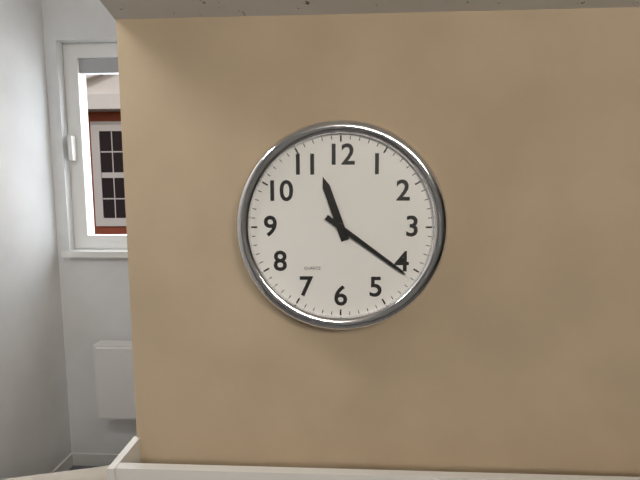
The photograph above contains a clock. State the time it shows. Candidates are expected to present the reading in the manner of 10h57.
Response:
11h21
